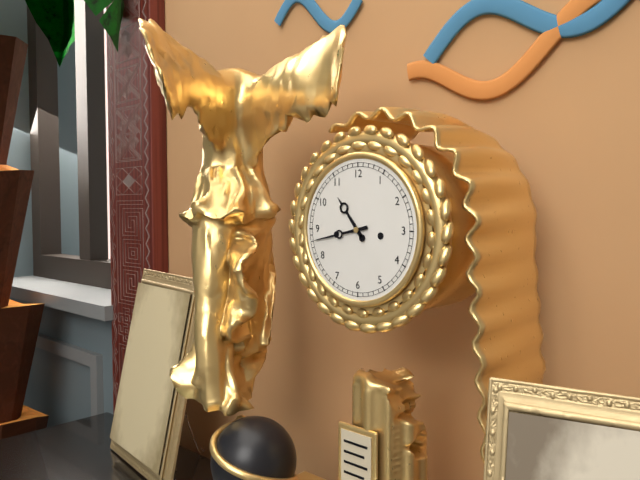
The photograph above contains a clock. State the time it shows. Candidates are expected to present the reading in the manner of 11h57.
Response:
10h43
